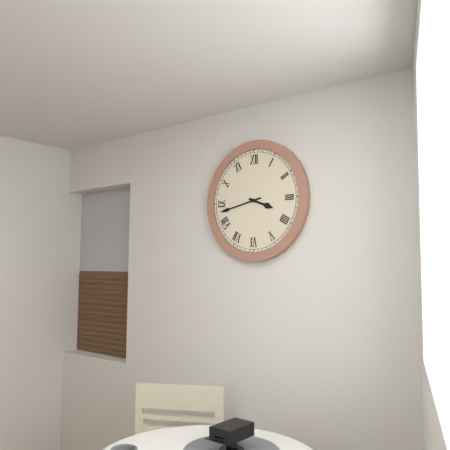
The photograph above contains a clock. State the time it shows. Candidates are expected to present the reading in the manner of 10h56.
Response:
3h43
